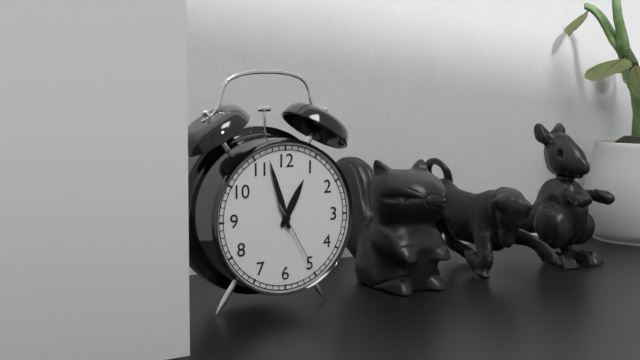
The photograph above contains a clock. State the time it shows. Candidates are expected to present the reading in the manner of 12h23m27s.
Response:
12h57m25s
